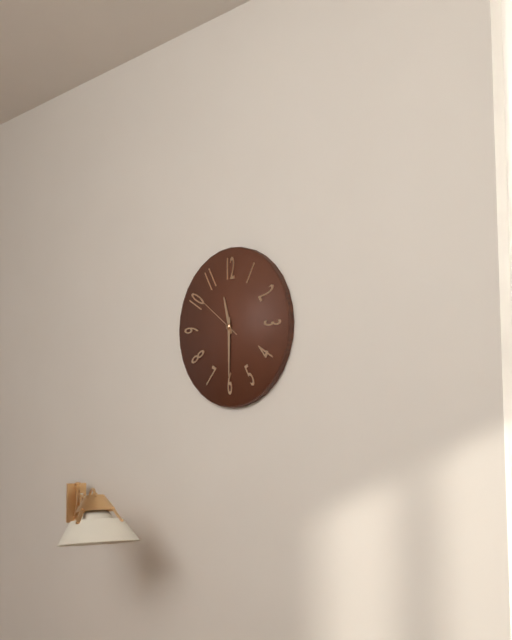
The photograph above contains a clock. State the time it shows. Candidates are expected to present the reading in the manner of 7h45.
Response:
11h30
